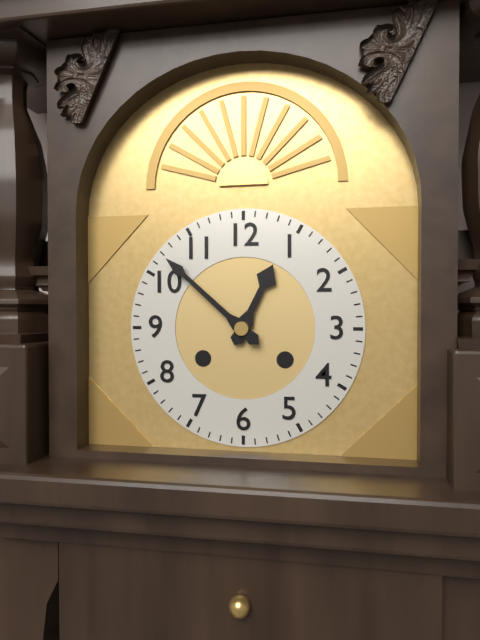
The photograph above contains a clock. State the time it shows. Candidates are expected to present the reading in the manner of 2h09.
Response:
12h52
